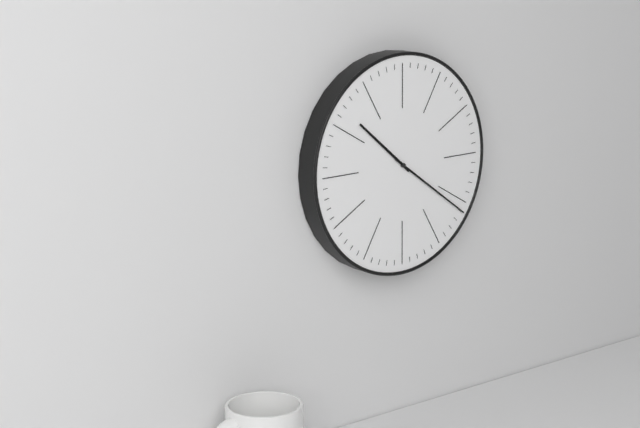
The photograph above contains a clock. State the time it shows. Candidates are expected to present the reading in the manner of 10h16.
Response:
10h21
